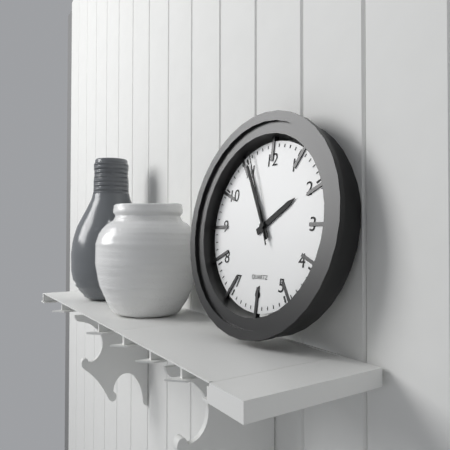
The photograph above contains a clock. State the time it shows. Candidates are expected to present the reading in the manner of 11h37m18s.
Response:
1h55m56s
